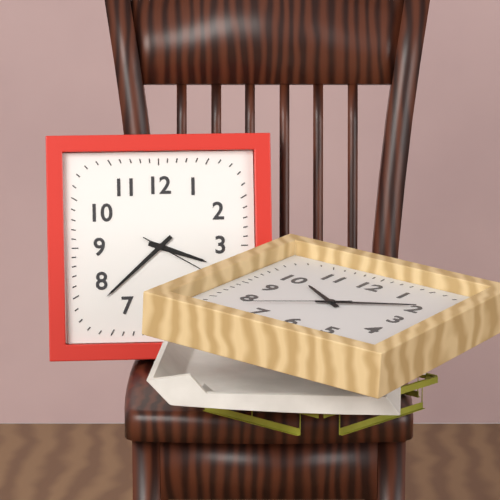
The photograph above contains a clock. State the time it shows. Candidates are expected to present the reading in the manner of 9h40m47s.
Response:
3h38m20s
